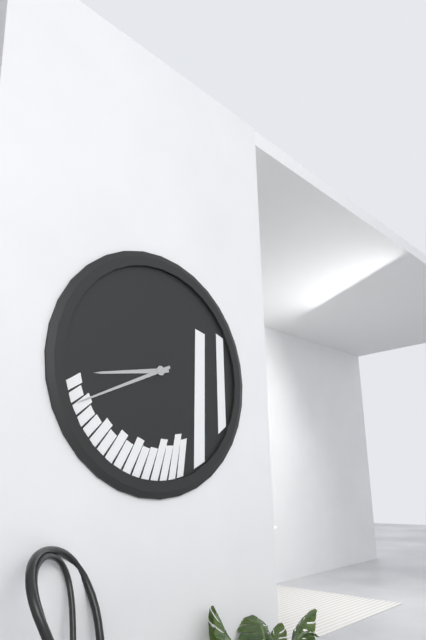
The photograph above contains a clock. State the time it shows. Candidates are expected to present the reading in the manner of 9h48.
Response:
8h41
